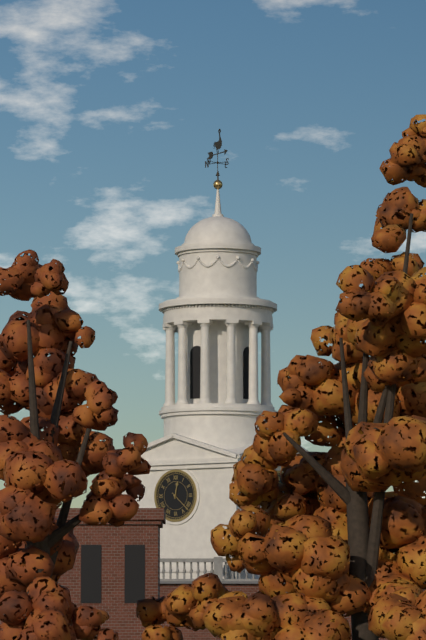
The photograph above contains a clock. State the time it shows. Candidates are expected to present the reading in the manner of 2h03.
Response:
12h22
